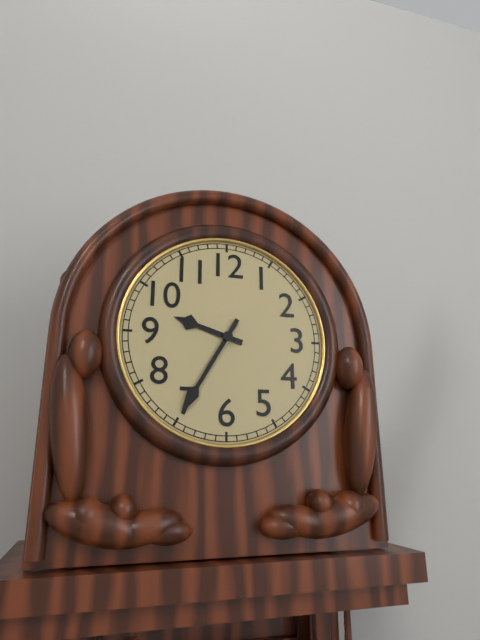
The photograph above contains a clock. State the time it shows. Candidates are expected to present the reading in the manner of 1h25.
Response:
9h35
